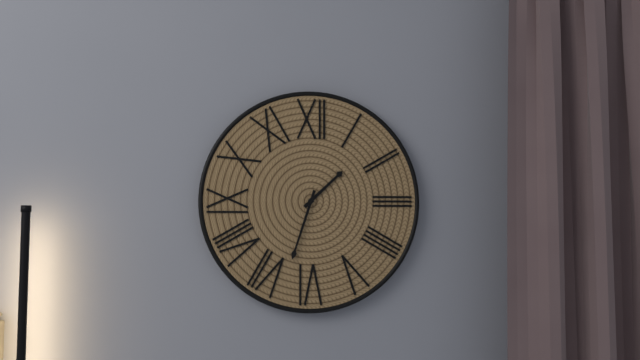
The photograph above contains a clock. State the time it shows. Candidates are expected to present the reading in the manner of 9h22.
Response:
1h33
